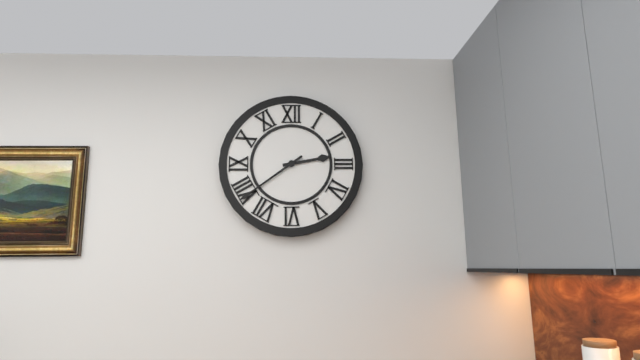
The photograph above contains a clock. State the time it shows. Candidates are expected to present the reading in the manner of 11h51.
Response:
2h39
